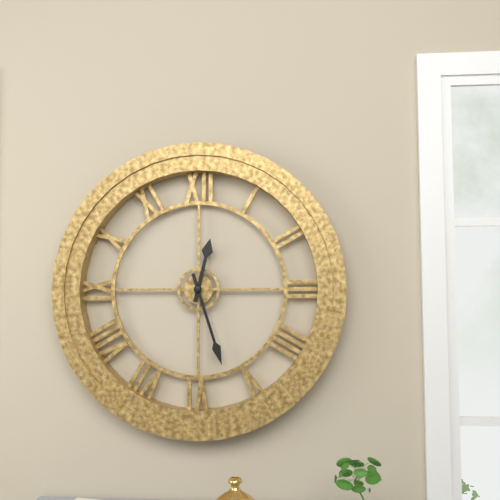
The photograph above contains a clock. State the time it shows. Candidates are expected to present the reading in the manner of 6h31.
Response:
12h27
